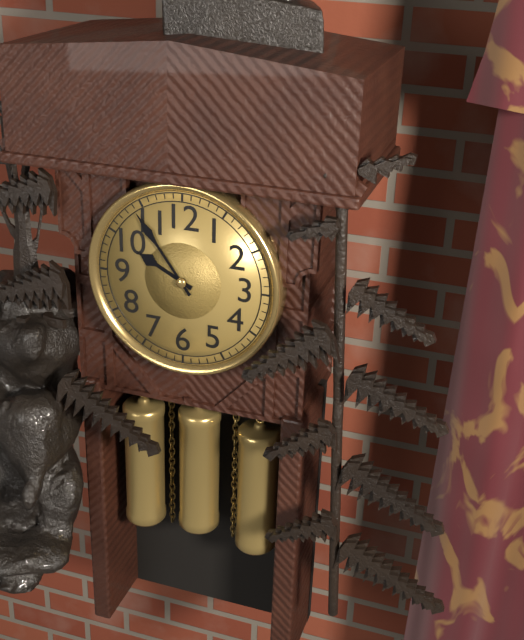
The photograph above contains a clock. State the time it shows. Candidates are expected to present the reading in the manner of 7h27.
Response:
9h54
